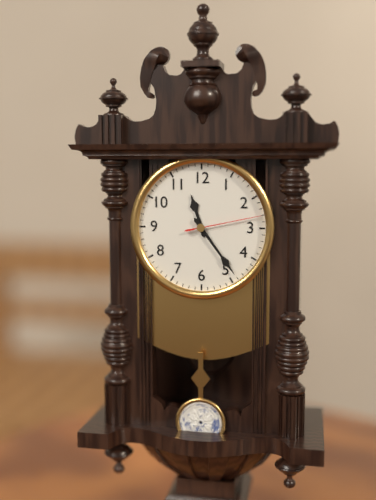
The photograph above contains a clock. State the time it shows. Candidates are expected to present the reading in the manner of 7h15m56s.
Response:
11h24m13s
